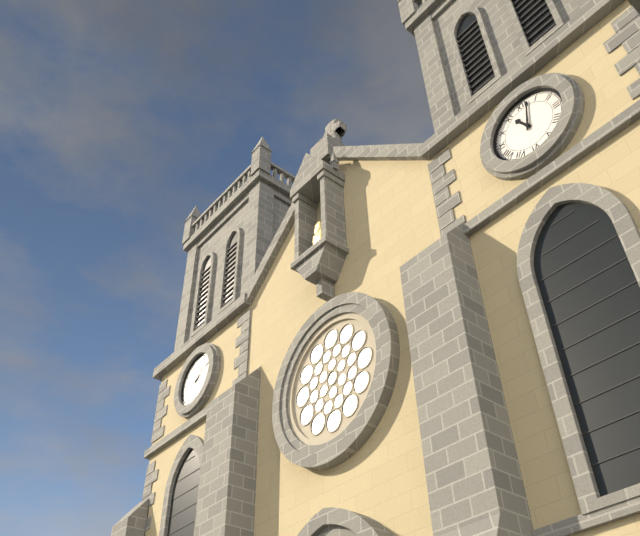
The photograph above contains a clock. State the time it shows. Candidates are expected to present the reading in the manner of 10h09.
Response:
11h02
